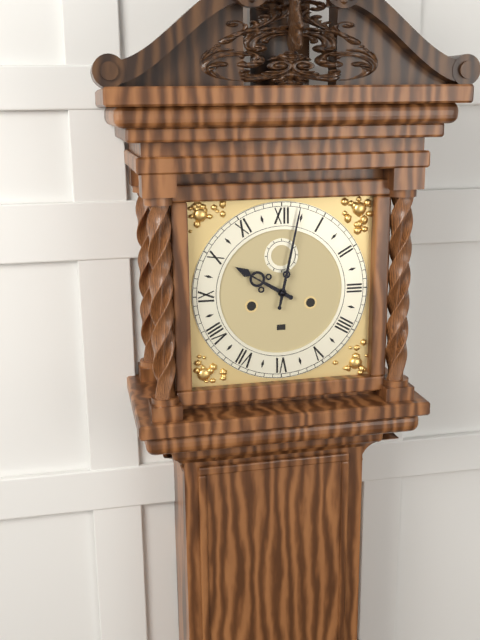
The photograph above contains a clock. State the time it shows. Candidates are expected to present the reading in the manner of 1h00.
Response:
10h02
